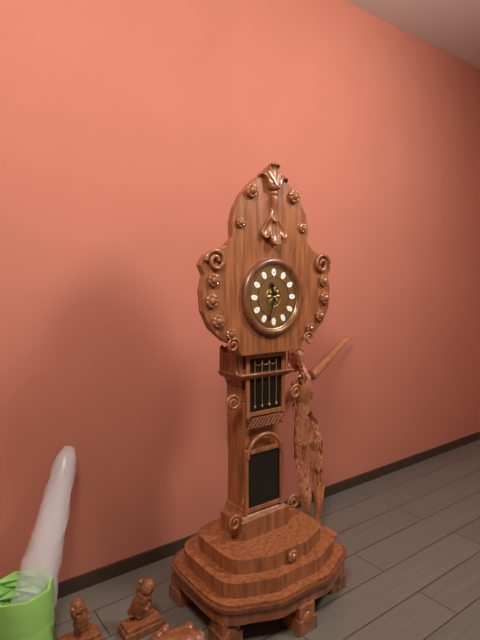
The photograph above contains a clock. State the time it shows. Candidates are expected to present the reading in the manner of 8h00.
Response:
11h33
